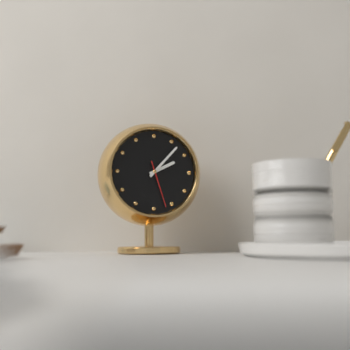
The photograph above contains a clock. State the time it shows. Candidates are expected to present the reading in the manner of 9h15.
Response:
2h07
